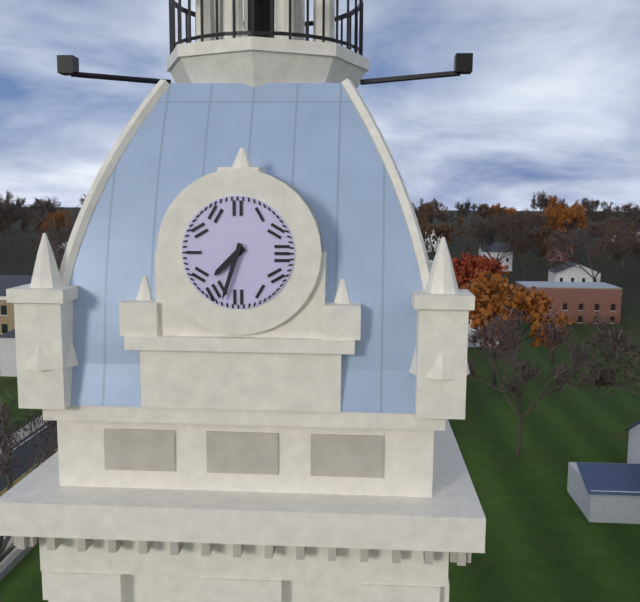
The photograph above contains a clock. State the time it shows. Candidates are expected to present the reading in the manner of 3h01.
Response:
7h33
